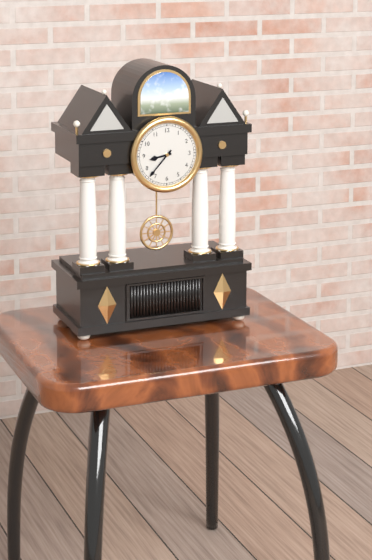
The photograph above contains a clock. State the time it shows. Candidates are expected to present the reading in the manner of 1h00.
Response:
8h37
